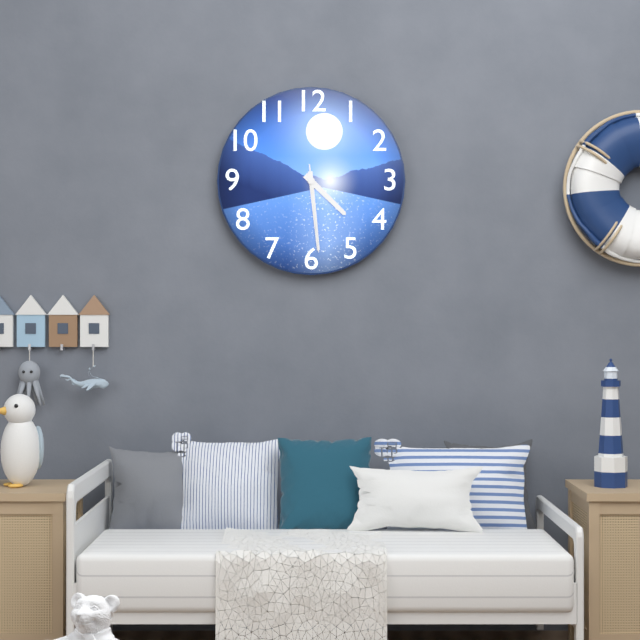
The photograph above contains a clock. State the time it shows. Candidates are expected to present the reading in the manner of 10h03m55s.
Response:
4h29m29s
